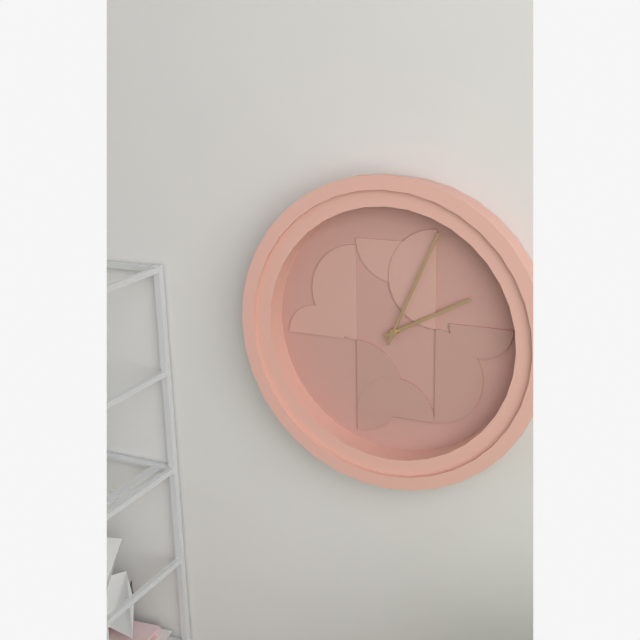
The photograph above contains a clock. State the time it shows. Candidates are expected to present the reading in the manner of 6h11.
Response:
2h04
